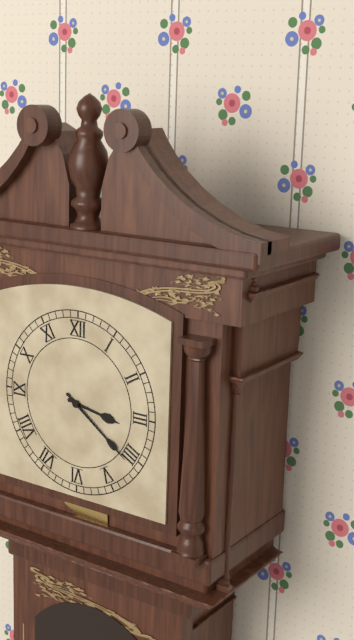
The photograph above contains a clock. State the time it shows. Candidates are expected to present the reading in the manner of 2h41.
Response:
3h21
